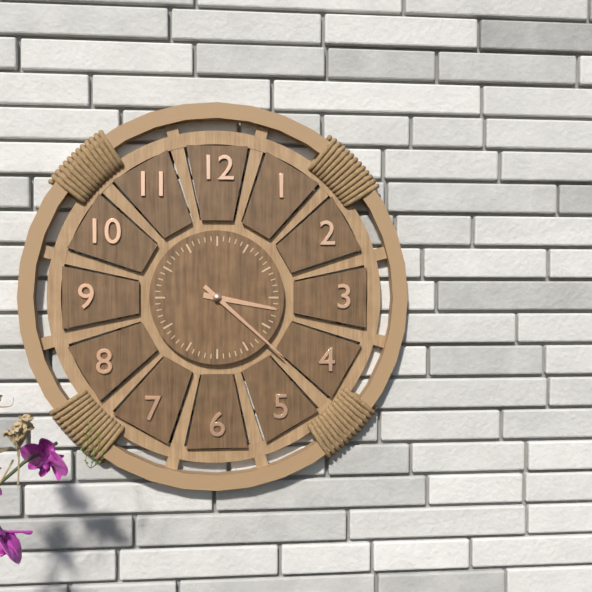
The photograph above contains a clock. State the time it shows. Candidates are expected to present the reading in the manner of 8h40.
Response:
3h22
